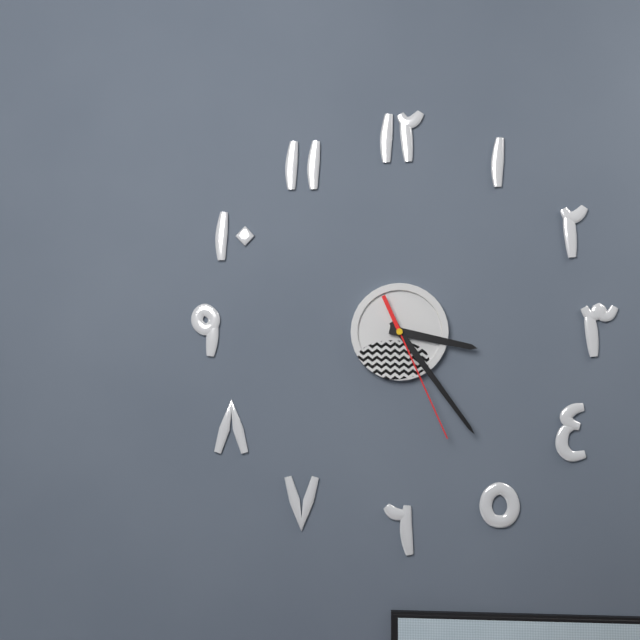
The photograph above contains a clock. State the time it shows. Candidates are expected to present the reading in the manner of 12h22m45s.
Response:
3h24m26s
